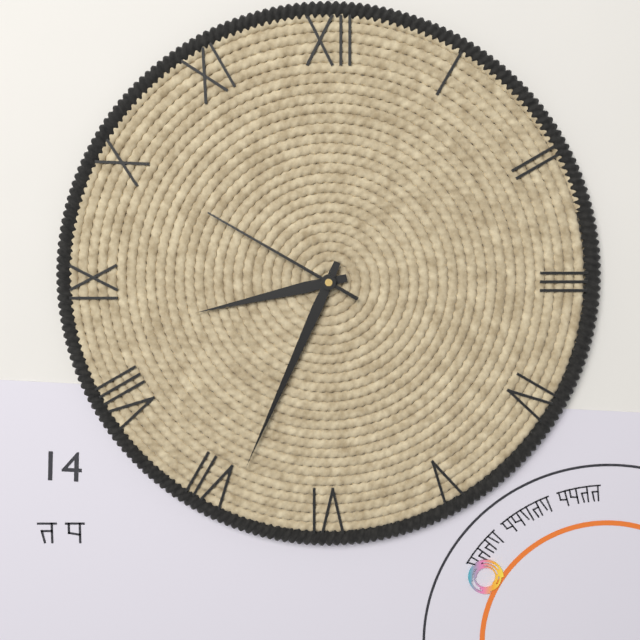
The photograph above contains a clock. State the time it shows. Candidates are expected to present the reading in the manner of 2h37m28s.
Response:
8h34m50s
